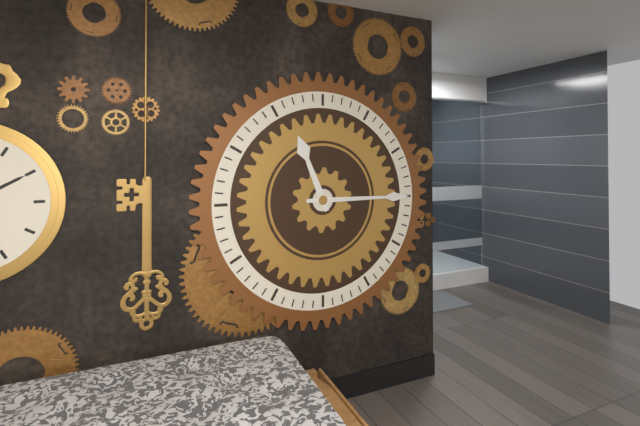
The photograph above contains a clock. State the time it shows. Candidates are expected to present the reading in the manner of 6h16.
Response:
11h15
